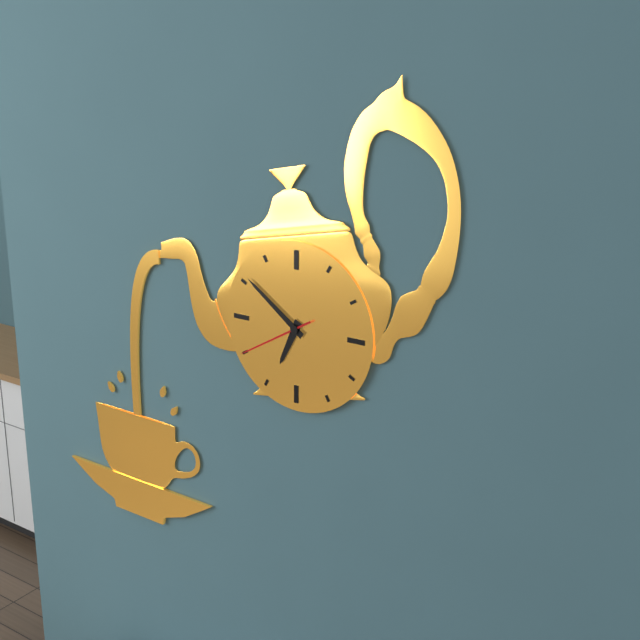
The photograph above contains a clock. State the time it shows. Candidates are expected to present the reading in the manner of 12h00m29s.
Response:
6h51m40s
